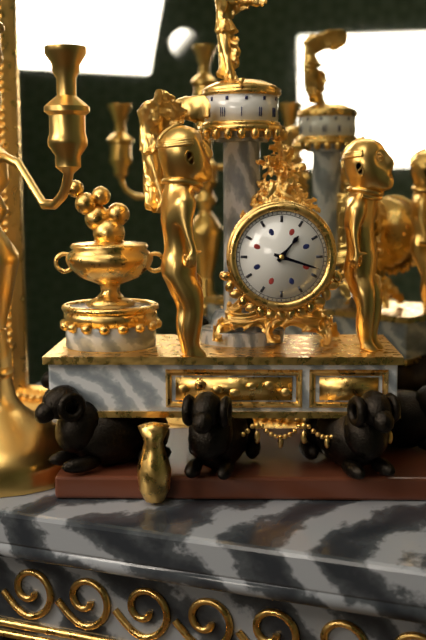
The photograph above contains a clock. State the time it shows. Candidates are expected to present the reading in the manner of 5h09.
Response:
1h18
